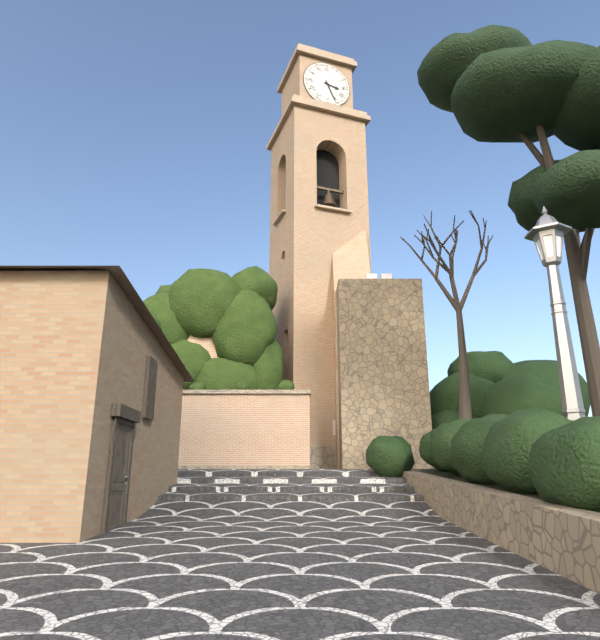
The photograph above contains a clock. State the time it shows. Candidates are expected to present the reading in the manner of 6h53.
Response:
3h26
